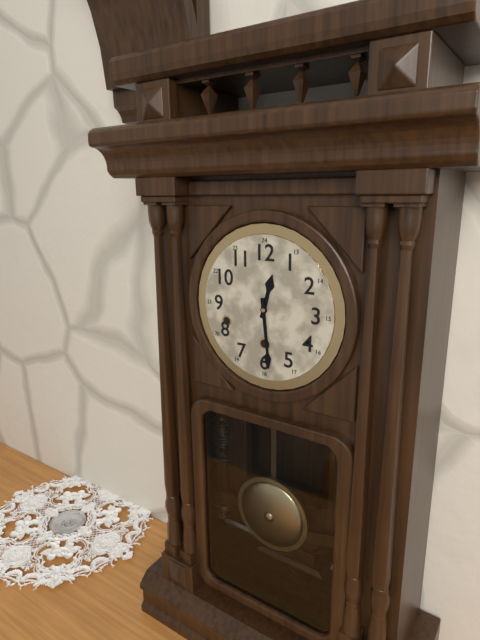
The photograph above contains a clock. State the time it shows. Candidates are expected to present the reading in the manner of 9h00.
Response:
12h29
